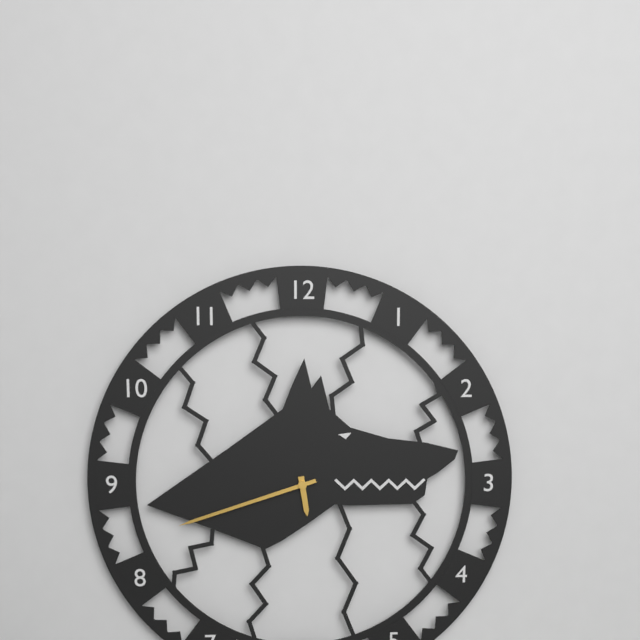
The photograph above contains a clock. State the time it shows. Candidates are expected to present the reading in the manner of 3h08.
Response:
5h42
